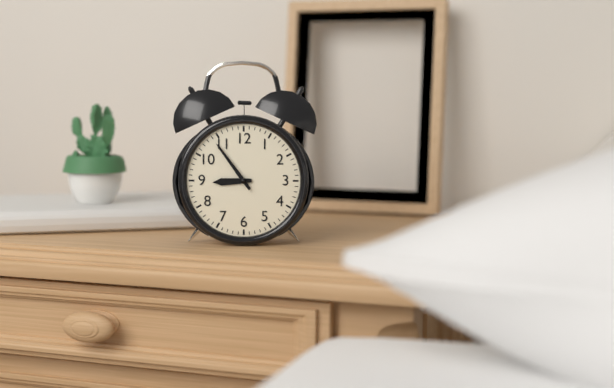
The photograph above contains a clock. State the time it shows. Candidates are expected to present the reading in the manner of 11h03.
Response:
8h54
